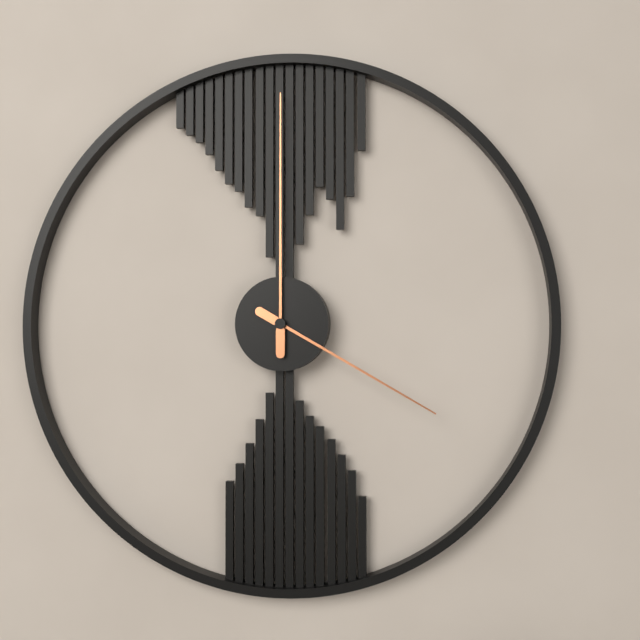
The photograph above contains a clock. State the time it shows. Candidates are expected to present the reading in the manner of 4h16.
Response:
4h00
